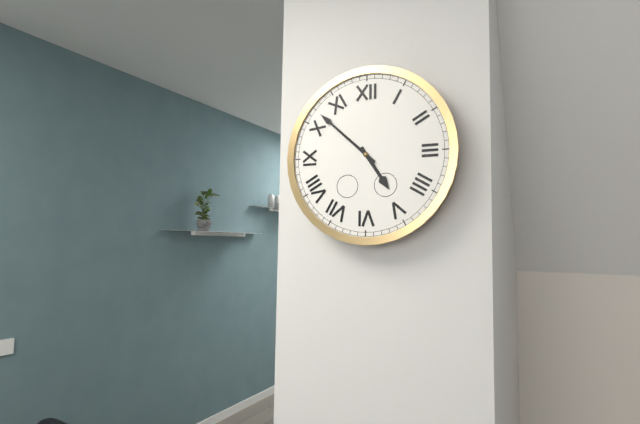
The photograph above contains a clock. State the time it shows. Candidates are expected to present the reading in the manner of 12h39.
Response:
4h52
